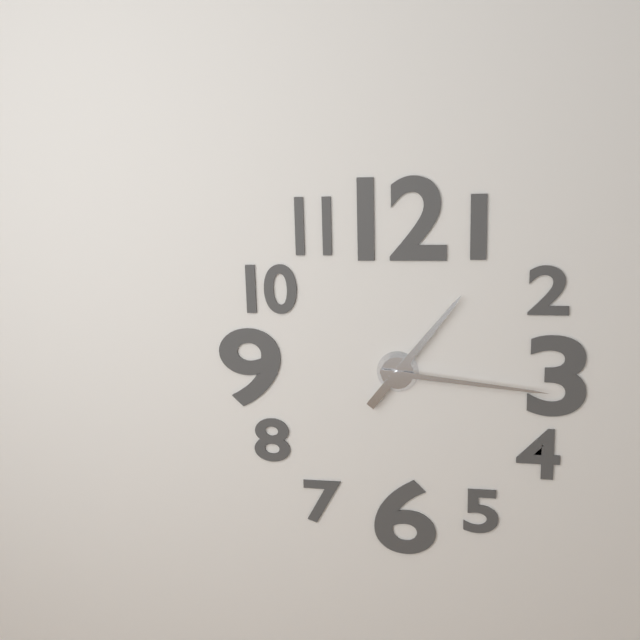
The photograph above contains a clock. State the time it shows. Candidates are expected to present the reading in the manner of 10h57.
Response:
1h16
